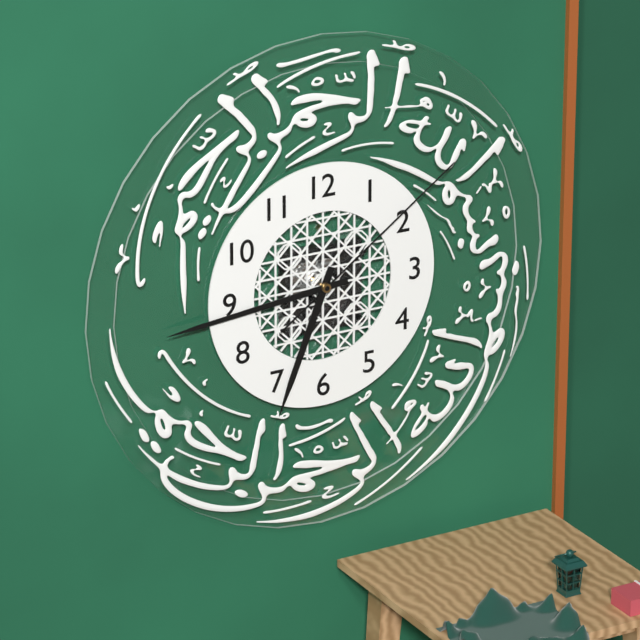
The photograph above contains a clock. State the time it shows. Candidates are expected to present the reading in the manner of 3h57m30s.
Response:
6h44m09s
